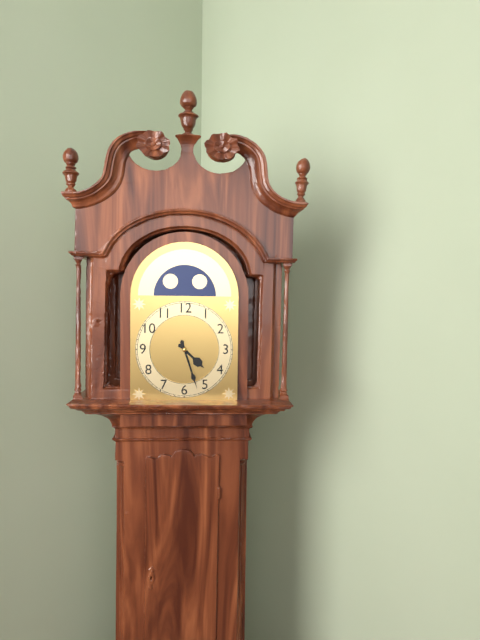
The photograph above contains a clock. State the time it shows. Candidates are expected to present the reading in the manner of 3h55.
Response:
4h27
